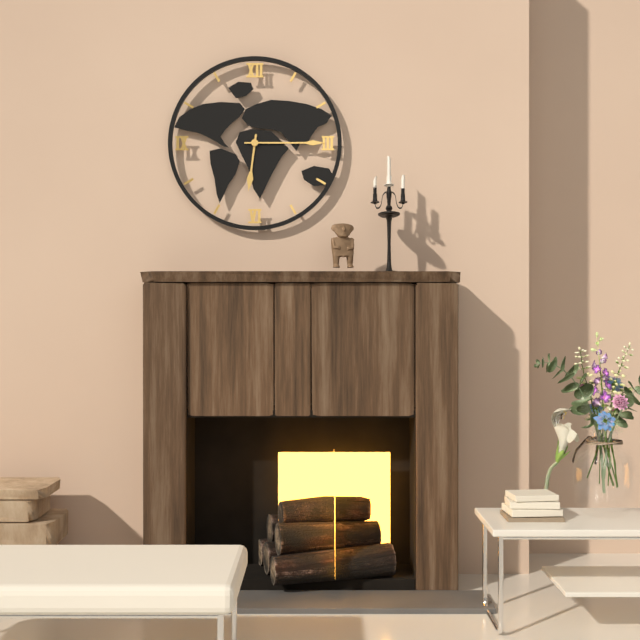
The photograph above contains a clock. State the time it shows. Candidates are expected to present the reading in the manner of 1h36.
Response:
6h15
